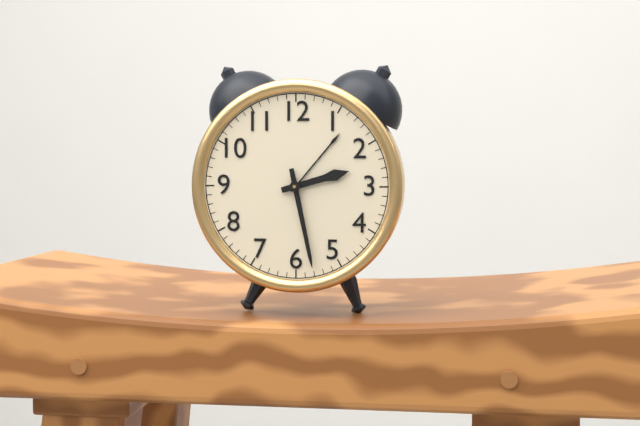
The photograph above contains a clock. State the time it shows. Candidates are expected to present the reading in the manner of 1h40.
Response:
2h28
